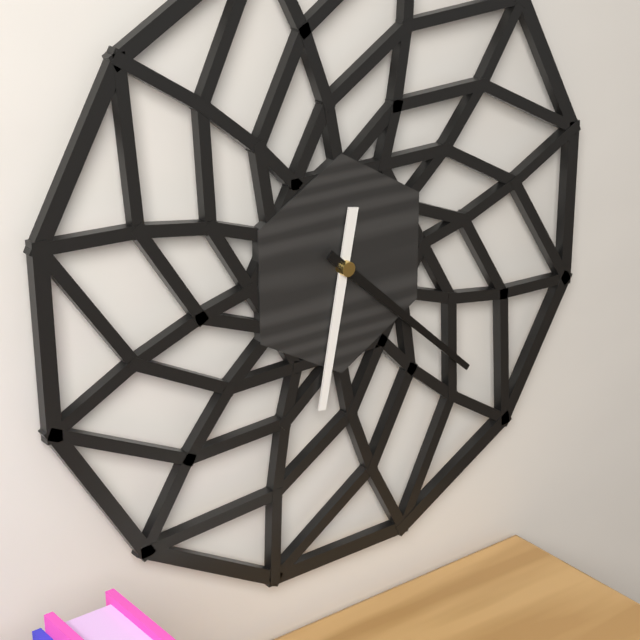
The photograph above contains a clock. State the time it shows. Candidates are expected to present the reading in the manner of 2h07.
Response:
6h22
